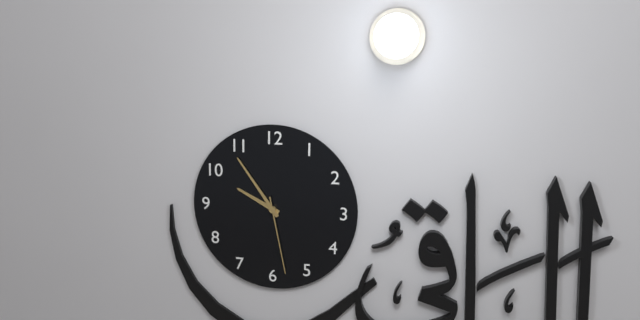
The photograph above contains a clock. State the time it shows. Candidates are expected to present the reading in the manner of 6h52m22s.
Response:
9h54m28s
